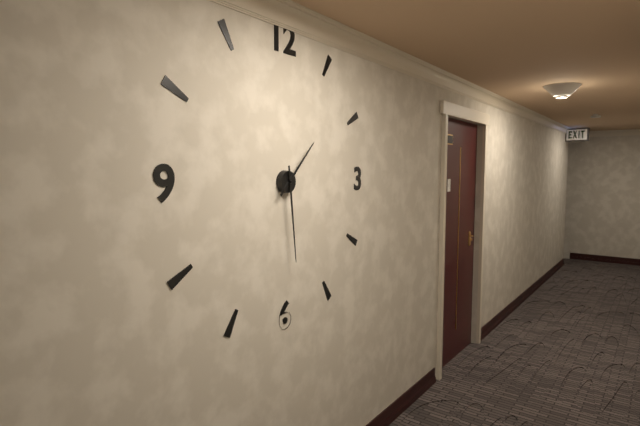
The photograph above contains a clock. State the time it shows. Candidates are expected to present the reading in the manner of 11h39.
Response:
1h29
